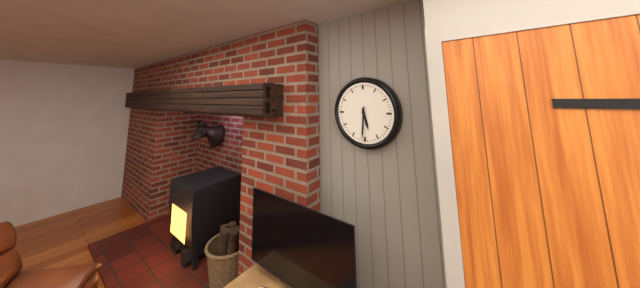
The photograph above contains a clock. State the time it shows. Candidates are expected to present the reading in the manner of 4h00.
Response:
5h31
